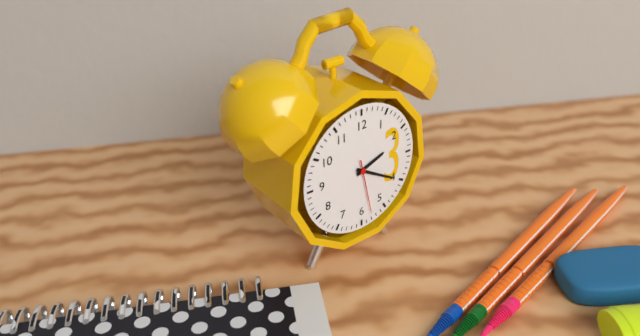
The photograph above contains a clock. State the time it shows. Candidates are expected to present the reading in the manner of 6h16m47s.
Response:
2h20m28s
